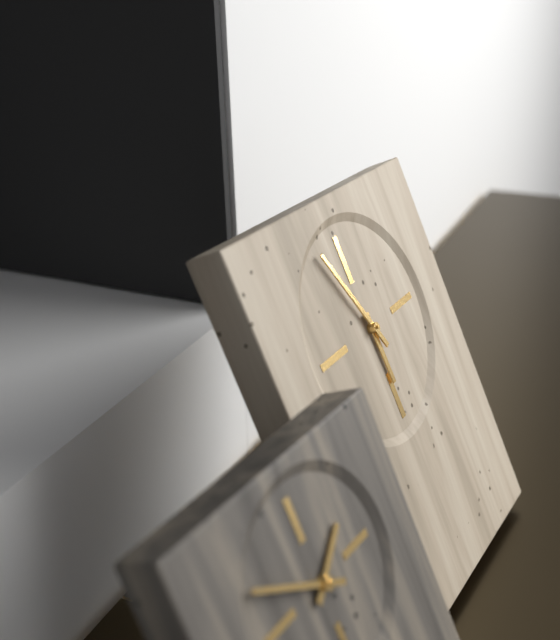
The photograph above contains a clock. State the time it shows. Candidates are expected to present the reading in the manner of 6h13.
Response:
5h56
